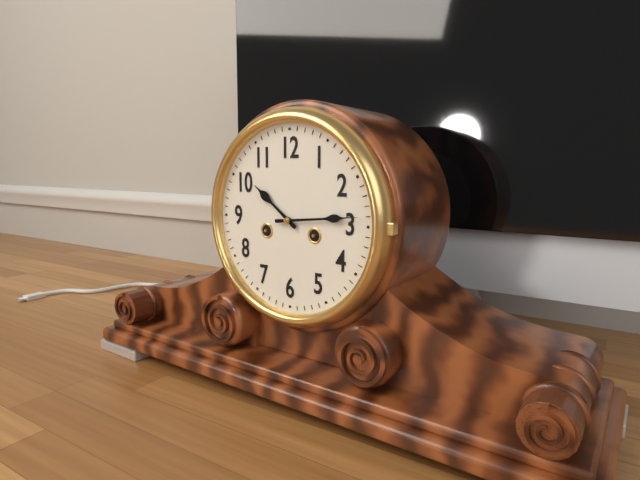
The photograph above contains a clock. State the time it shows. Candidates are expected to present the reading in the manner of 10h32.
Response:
10h14
